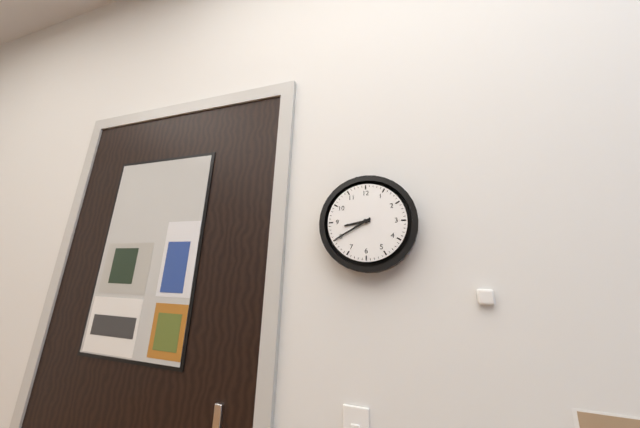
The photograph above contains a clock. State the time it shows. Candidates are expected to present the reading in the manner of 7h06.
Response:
8h40
